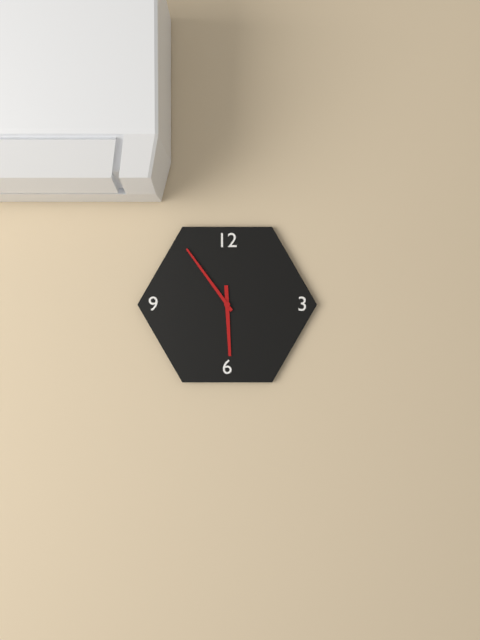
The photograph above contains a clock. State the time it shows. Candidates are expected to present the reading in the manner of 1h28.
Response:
5h54
